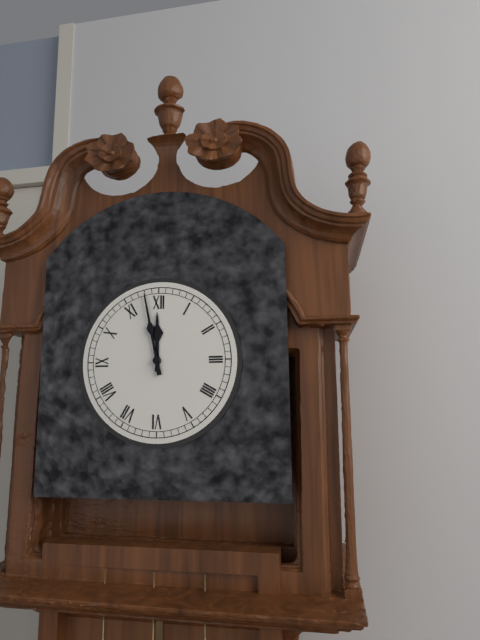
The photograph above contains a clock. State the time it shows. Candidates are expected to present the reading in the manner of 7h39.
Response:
11h58
